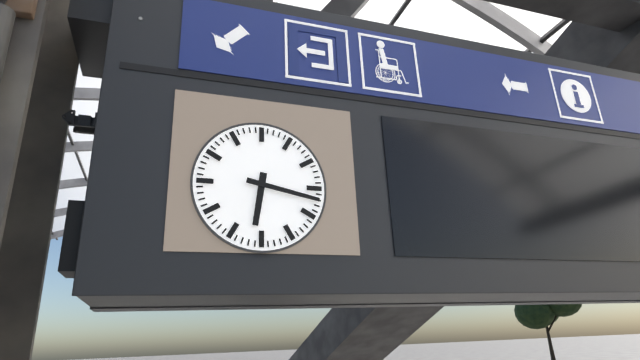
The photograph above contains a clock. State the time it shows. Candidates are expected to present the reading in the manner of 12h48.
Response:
6h17
